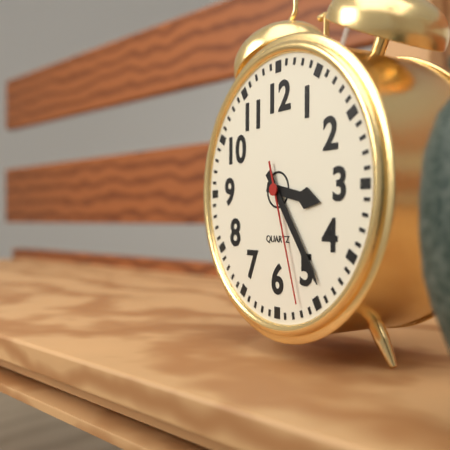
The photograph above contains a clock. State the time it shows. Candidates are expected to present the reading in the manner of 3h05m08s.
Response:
3h24m27s
